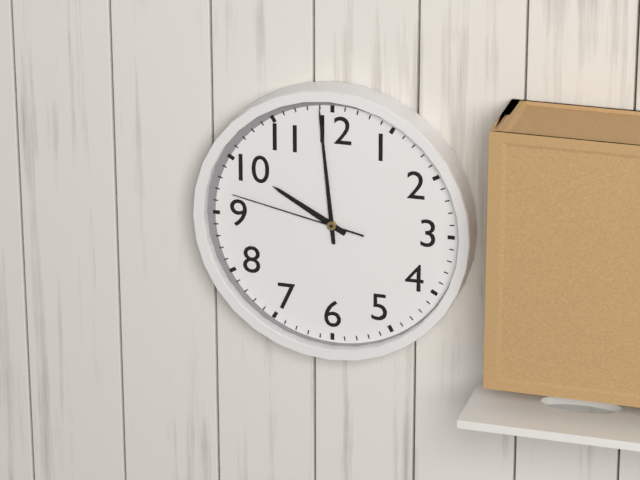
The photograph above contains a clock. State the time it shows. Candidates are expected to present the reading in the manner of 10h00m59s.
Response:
9h59m47s
